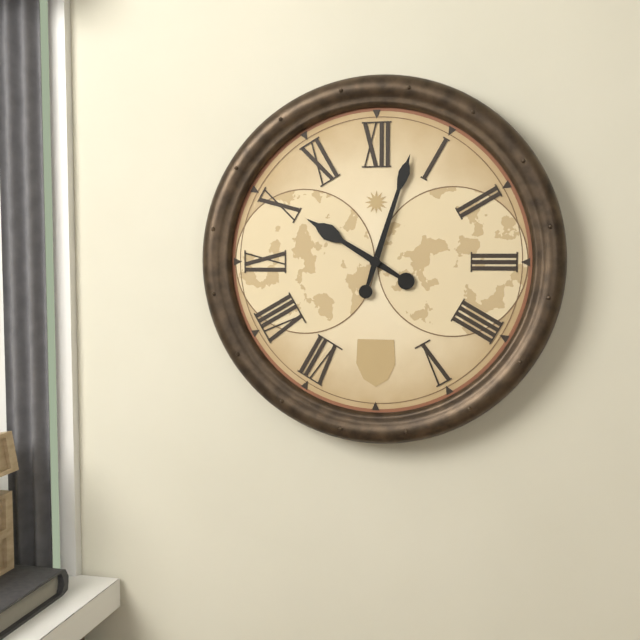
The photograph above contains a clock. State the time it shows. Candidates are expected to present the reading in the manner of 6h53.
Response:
10h03
